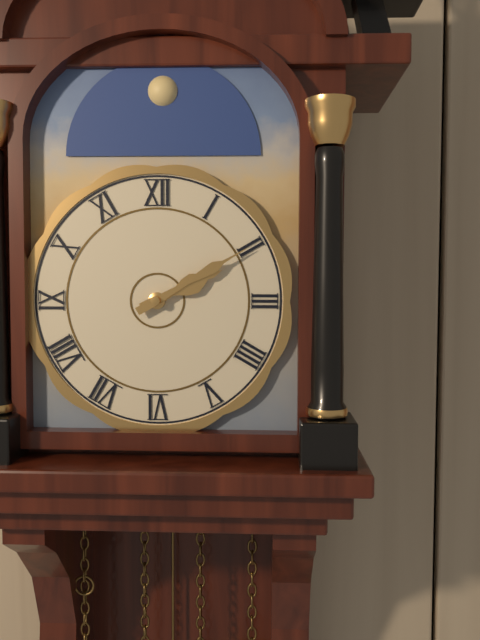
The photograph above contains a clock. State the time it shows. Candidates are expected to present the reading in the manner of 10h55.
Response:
2h10
